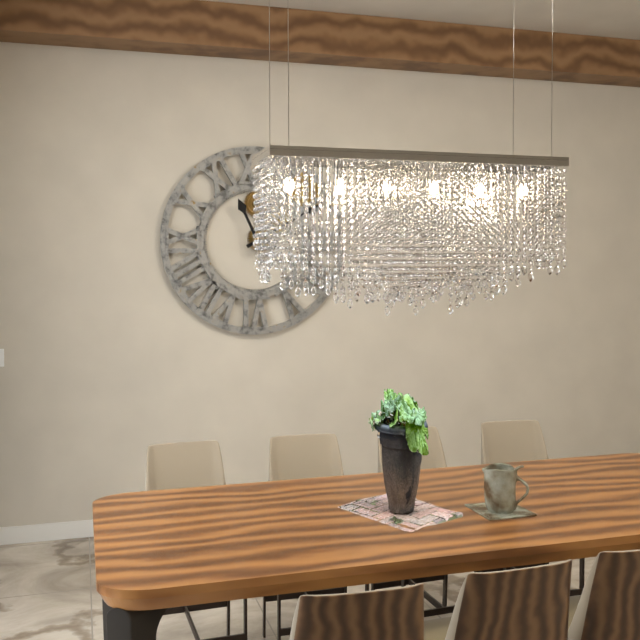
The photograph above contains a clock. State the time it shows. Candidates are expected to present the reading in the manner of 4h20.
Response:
11h10
